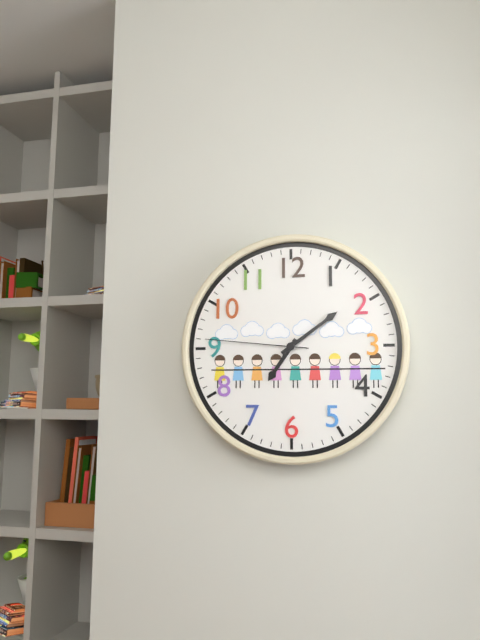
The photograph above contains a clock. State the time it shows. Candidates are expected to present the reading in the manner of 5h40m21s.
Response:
7h09m46s
